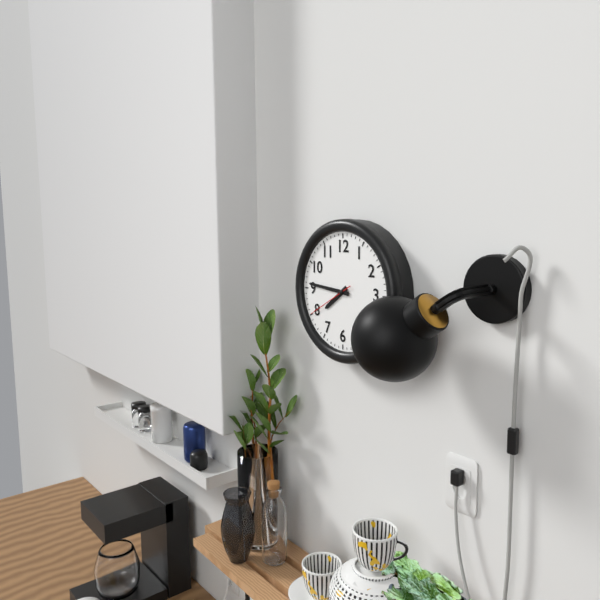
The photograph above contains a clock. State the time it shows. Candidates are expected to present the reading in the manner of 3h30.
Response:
7h46
